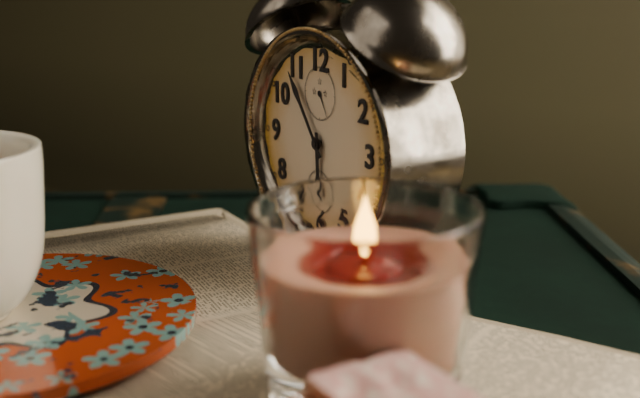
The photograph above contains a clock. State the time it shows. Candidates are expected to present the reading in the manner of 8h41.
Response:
5h54
